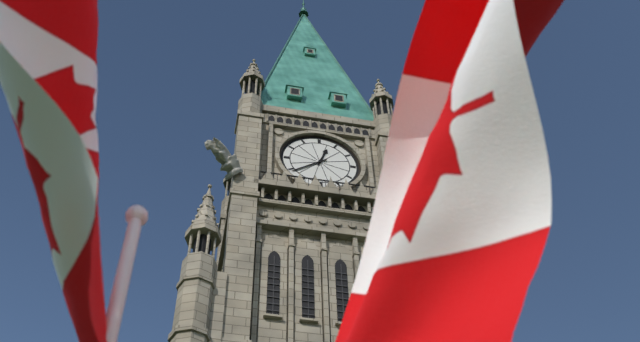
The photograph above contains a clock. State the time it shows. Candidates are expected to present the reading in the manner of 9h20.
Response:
12h39
